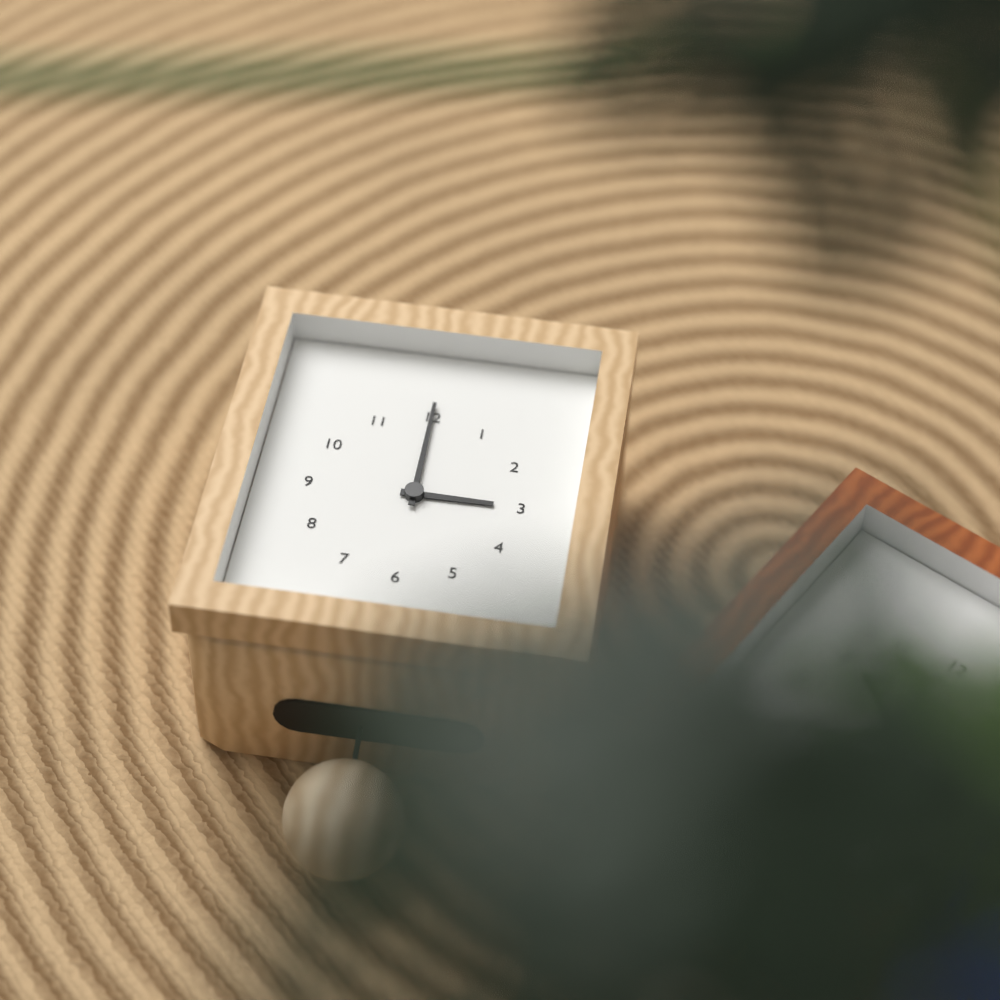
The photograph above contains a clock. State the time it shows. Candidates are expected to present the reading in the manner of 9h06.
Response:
3h00
